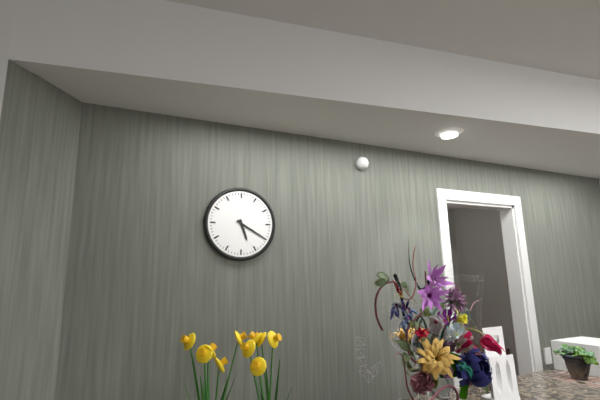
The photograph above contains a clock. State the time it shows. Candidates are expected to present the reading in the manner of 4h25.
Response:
5h20
